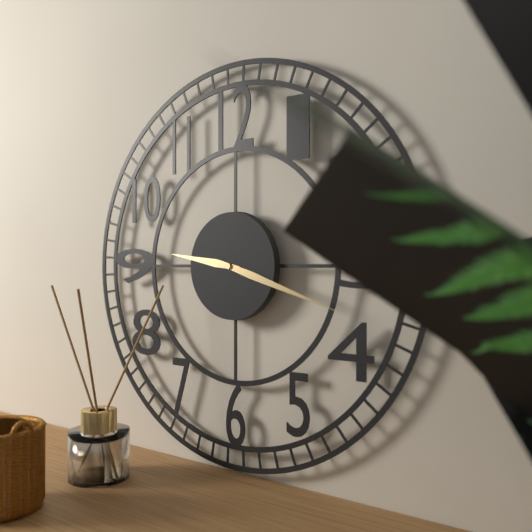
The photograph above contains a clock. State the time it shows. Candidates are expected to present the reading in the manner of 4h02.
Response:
9h18
